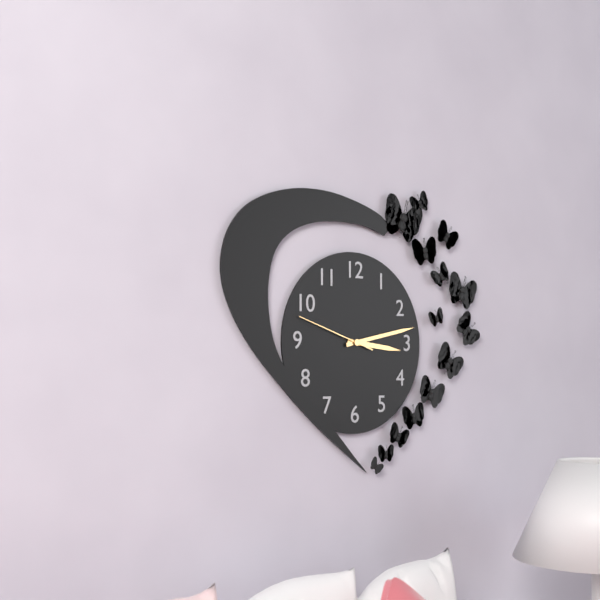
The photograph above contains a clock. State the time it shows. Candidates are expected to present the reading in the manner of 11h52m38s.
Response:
3h13m48s
